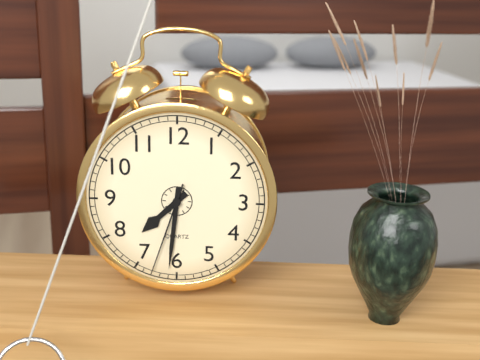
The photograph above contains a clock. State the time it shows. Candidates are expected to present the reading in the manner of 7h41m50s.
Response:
7h31m33s
